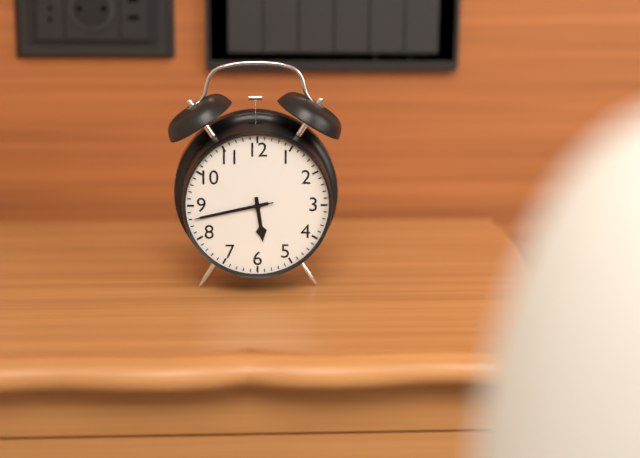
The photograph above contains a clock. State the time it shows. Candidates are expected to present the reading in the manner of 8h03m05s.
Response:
5h43m43s
